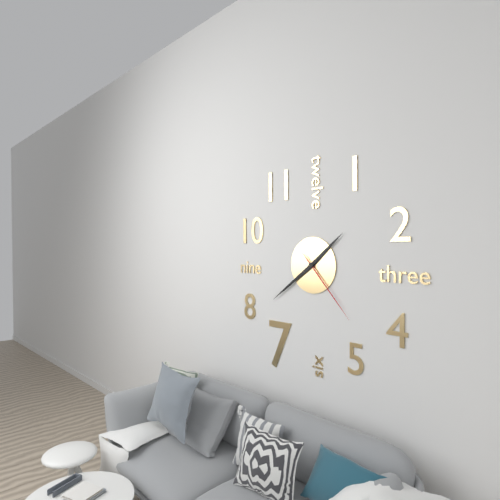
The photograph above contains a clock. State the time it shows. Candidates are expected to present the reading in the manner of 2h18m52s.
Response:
1h39m23s
